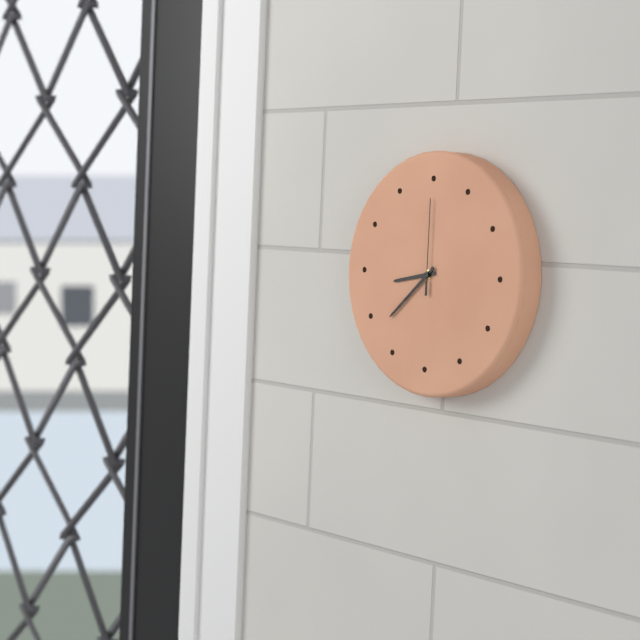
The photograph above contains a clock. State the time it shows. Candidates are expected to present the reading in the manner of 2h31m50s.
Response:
8h38m00s
